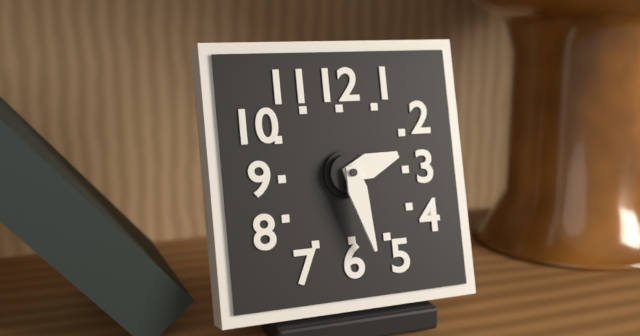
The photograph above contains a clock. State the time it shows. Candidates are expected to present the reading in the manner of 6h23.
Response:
2h28
